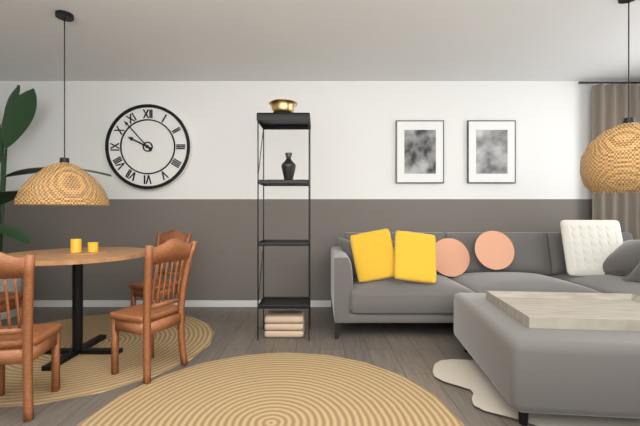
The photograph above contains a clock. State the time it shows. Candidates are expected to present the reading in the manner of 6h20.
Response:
9h53
